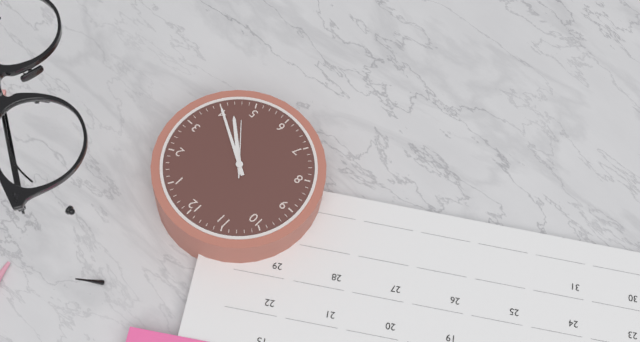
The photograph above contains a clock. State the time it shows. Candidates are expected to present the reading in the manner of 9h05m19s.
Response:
4h20m23s
